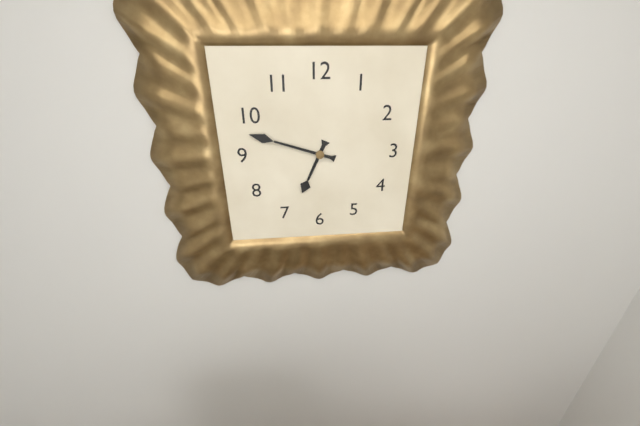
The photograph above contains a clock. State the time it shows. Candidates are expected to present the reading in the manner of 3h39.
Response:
6h48
